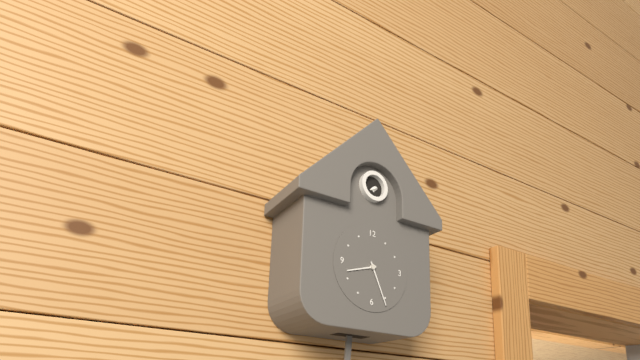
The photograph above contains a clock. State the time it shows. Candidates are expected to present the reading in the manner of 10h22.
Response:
8h26
